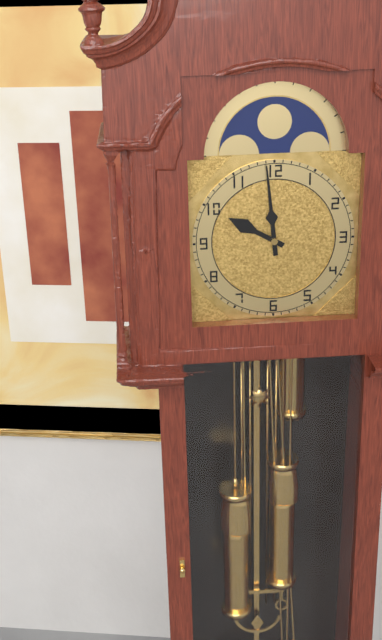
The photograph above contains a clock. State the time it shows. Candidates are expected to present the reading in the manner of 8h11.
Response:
9h59
